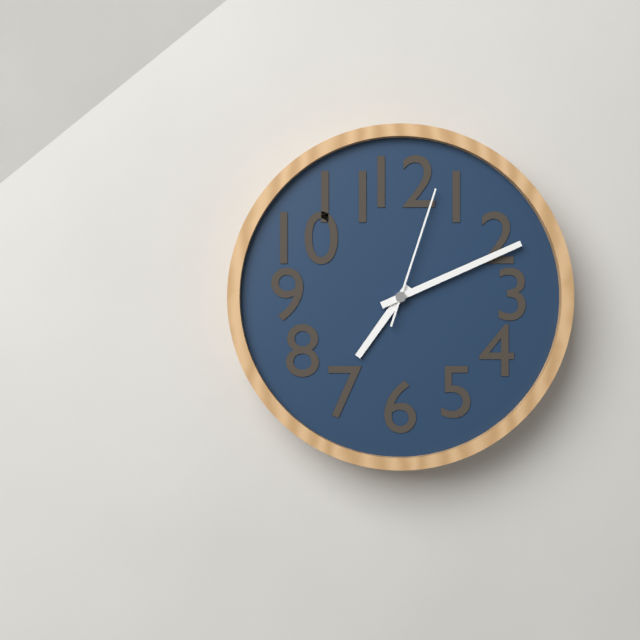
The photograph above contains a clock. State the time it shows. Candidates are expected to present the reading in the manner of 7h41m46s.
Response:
7h11m03s
